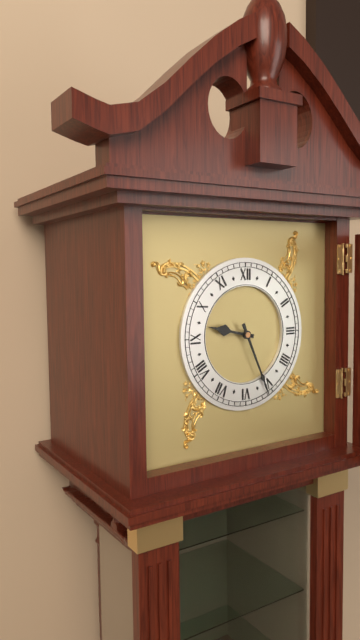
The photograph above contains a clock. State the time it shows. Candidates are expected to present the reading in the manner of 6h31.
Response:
9h26
